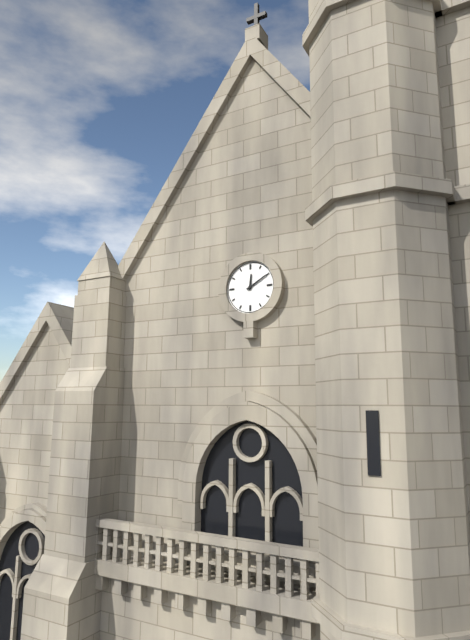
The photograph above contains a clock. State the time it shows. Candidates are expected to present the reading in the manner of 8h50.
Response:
12h10
